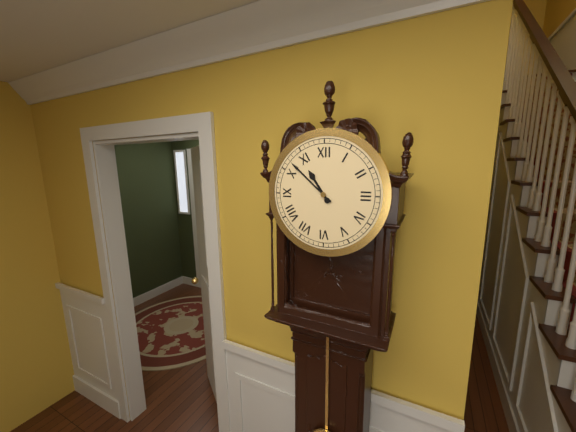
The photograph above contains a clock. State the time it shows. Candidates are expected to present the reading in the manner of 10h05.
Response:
10h52
